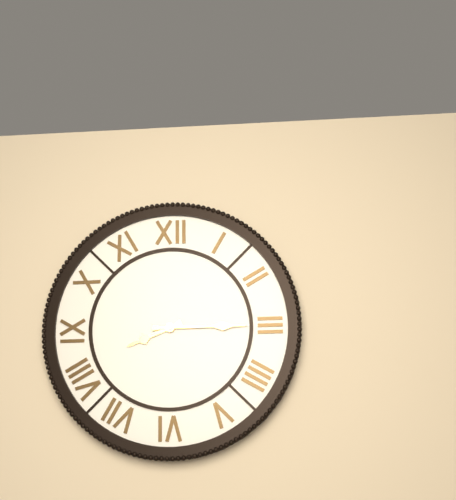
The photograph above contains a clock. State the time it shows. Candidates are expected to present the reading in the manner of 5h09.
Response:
8h15
